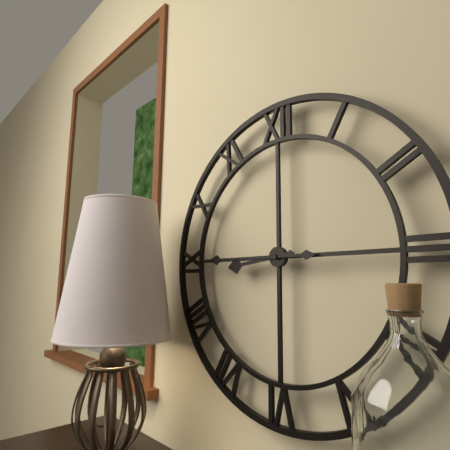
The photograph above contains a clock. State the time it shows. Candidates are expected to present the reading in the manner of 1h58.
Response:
8h45
